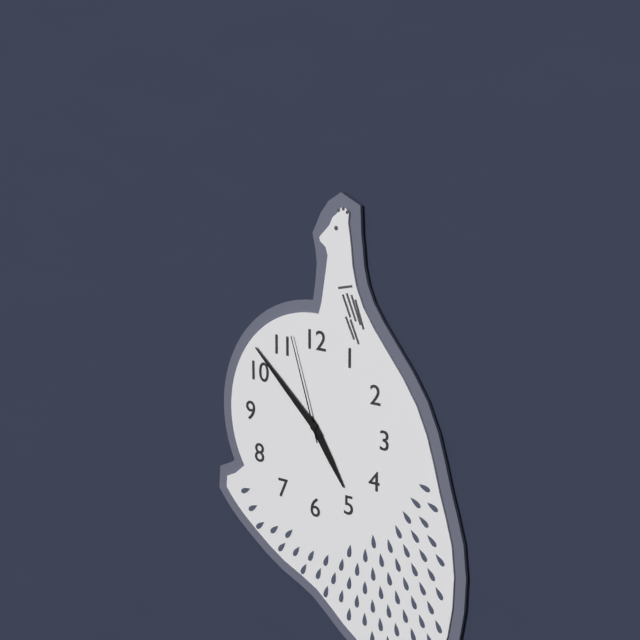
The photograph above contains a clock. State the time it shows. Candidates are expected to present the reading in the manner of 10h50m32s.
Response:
4h52m57s
